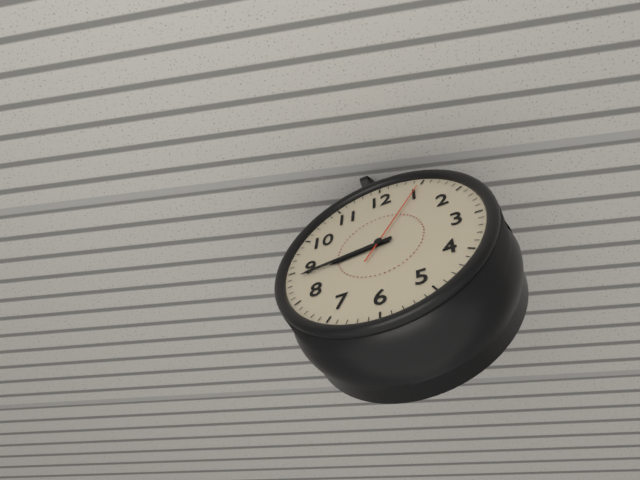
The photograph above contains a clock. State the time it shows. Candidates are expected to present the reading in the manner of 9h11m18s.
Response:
8h44m05s
